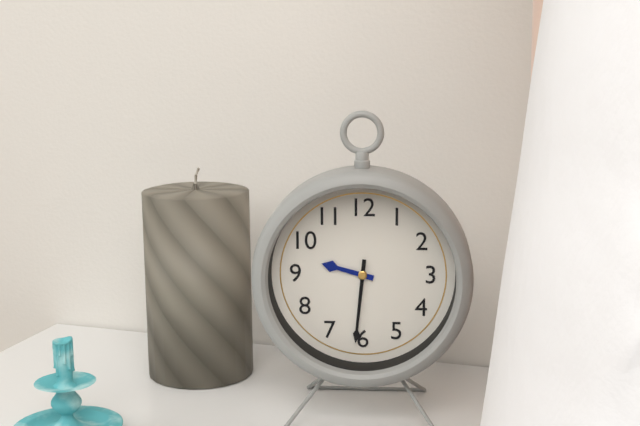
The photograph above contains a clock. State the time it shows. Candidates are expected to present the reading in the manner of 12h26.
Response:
9h31
